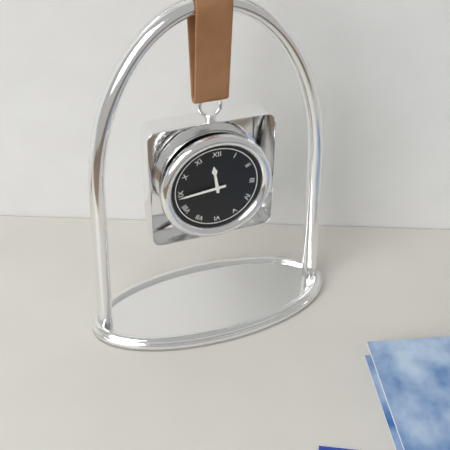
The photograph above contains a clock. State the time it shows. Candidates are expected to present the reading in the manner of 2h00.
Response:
11h44
